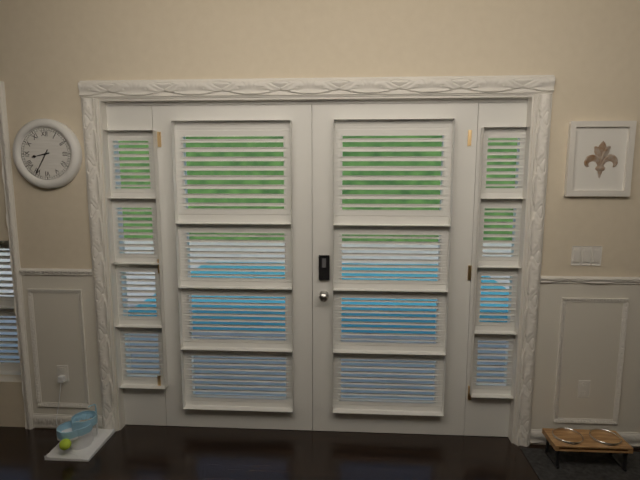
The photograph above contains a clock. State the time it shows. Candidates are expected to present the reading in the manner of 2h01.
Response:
8h35
